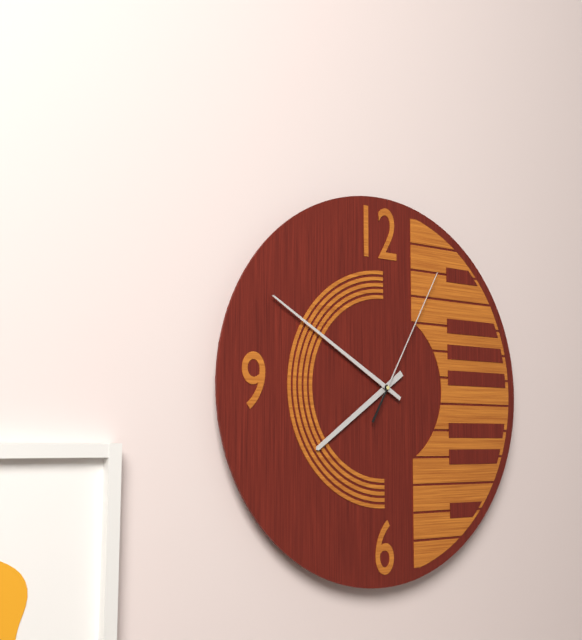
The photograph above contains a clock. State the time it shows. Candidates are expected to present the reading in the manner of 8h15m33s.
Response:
7h50m05s
